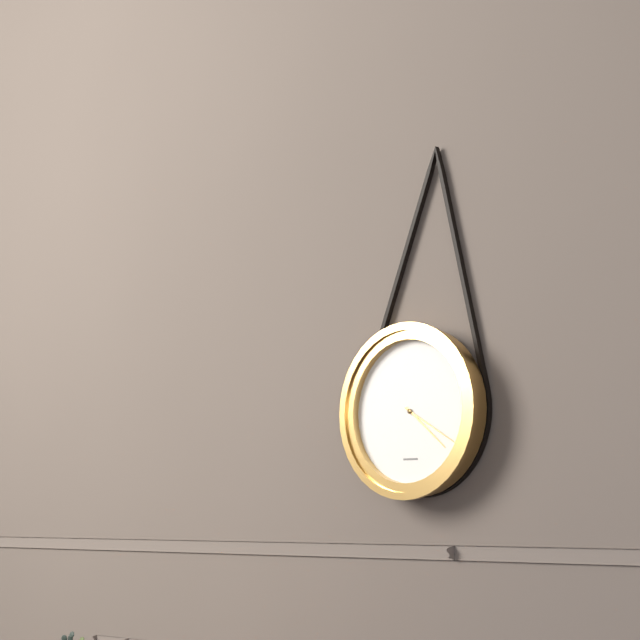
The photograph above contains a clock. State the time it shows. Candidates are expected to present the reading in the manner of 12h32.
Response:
4h20
